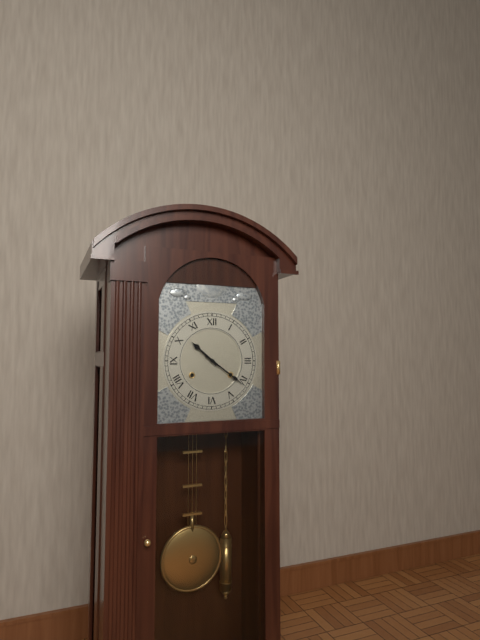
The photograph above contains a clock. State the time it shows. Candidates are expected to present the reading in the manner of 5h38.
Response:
10h21
